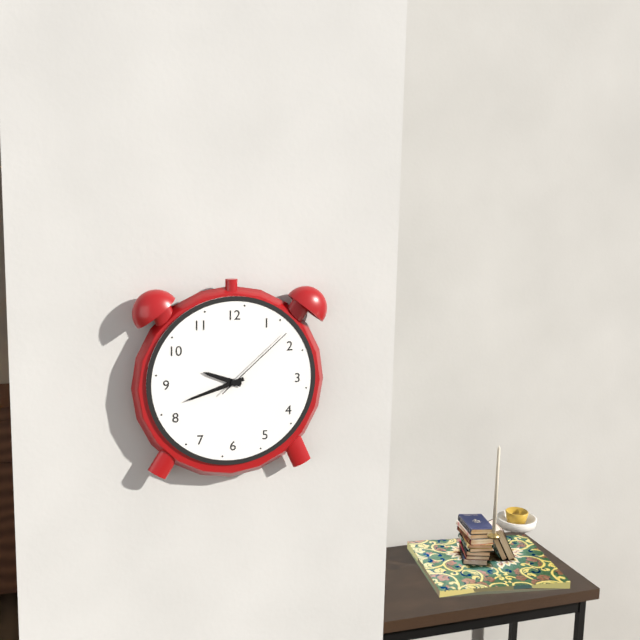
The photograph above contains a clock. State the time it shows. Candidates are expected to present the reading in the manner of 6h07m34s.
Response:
9h42m08s
